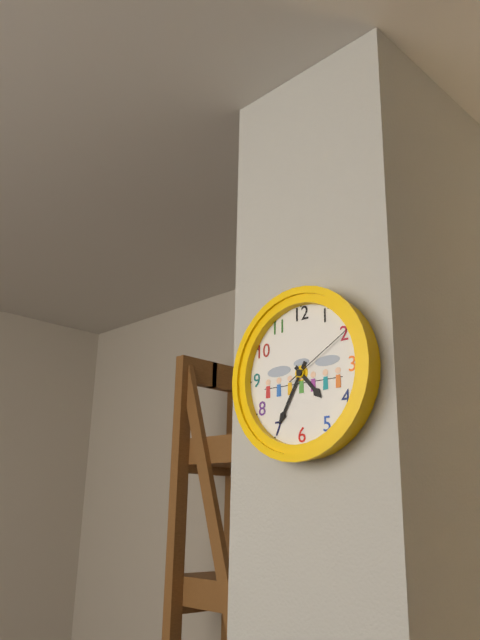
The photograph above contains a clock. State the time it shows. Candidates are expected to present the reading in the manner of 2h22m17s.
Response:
4h35m10s
